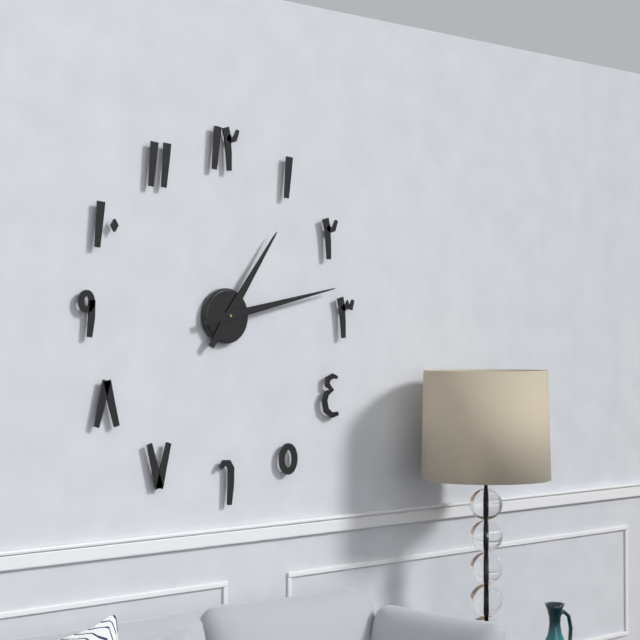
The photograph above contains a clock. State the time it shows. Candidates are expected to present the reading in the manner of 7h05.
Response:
1h13
